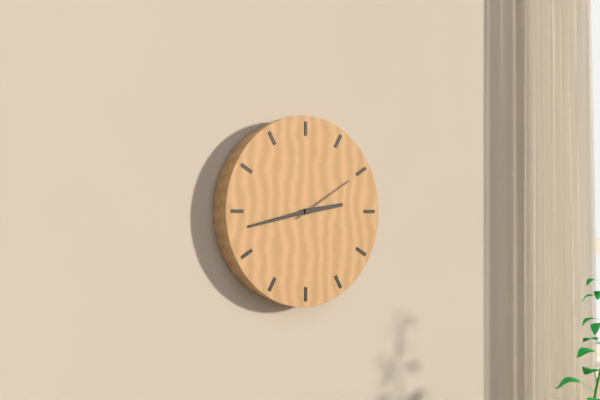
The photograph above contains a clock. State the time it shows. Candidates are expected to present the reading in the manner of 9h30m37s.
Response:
2h43m10s
